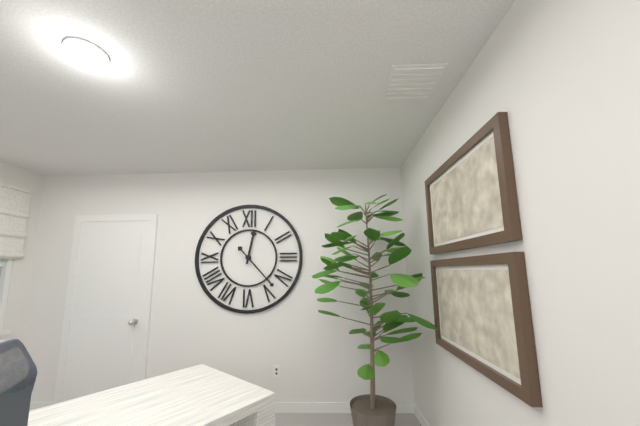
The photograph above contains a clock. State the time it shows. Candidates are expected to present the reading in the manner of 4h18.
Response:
12h23
